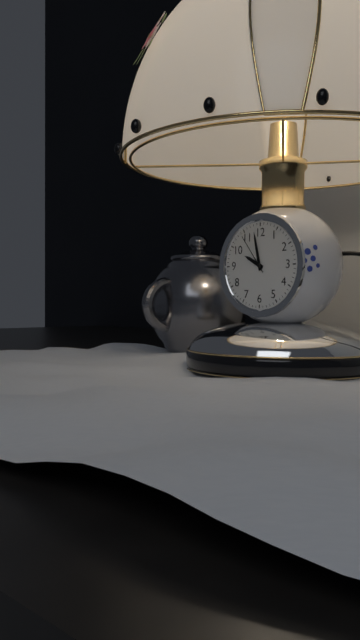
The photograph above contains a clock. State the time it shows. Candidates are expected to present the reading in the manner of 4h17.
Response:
9h58
